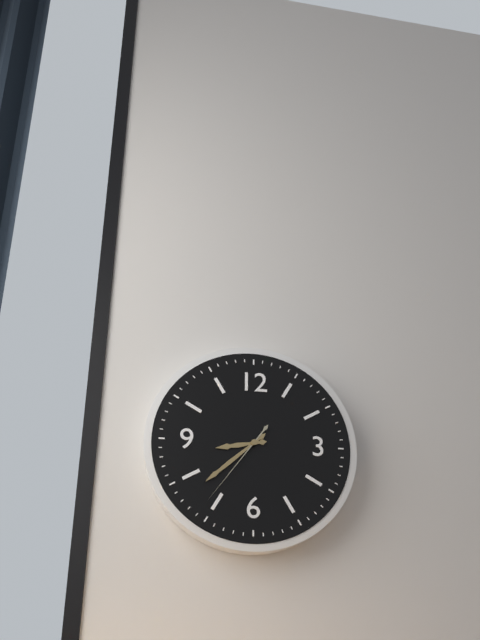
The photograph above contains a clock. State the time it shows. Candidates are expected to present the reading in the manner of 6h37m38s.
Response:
8h38m36s
